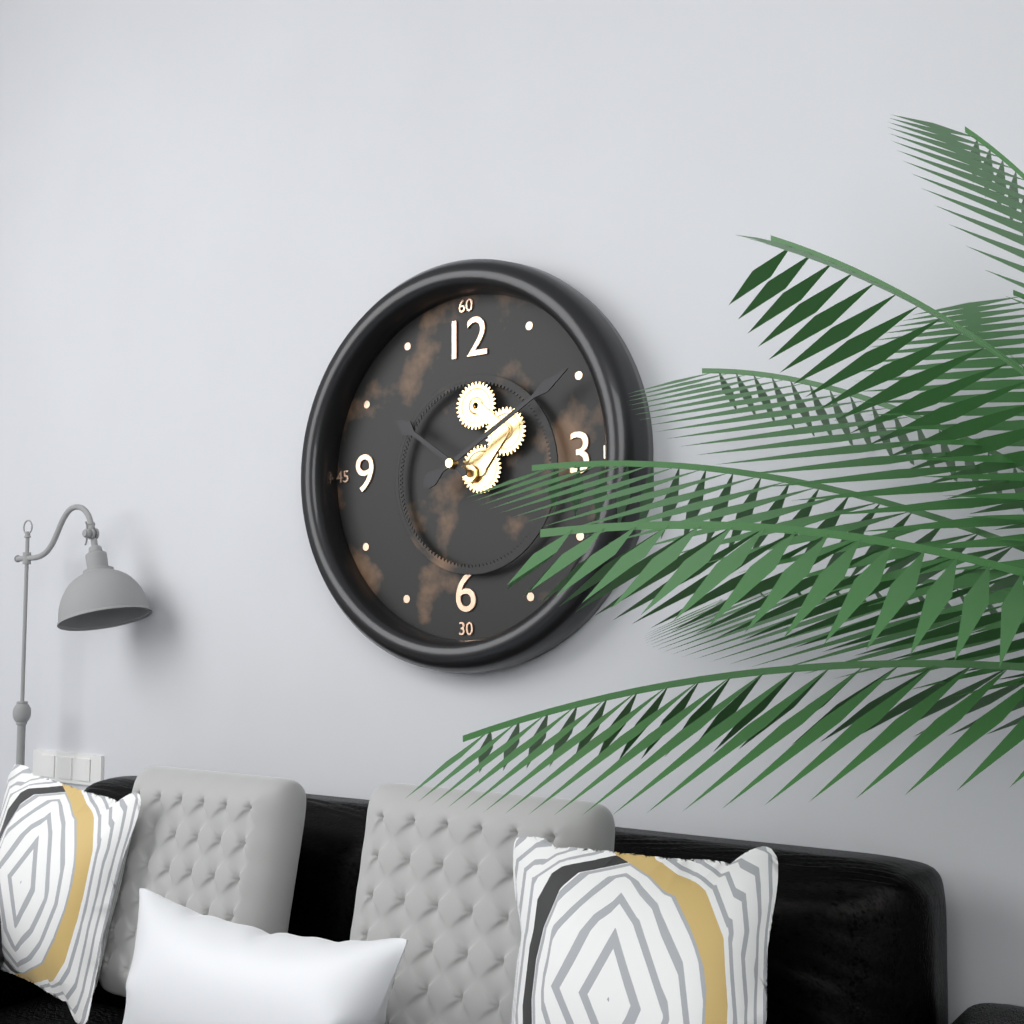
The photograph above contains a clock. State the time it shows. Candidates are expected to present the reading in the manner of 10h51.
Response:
10h10
